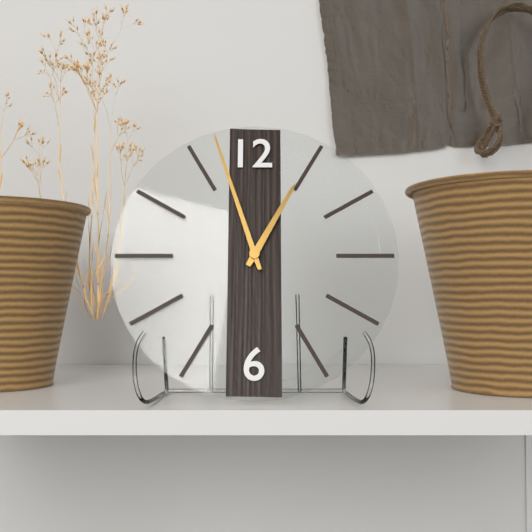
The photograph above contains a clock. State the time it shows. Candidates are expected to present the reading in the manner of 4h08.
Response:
12h57
